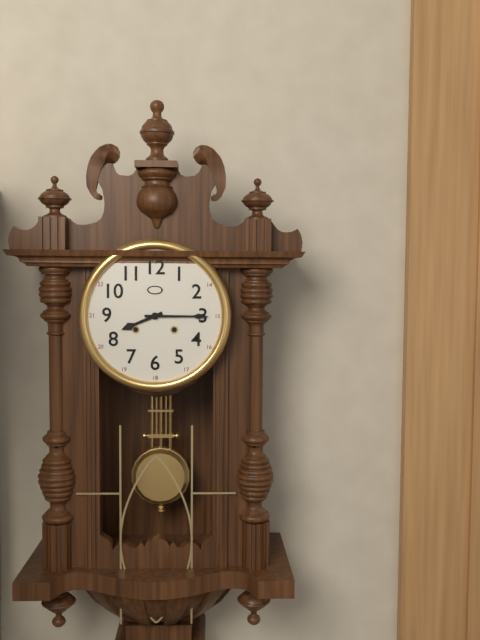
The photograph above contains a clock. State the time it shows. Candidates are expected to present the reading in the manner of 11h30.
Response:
8h15
